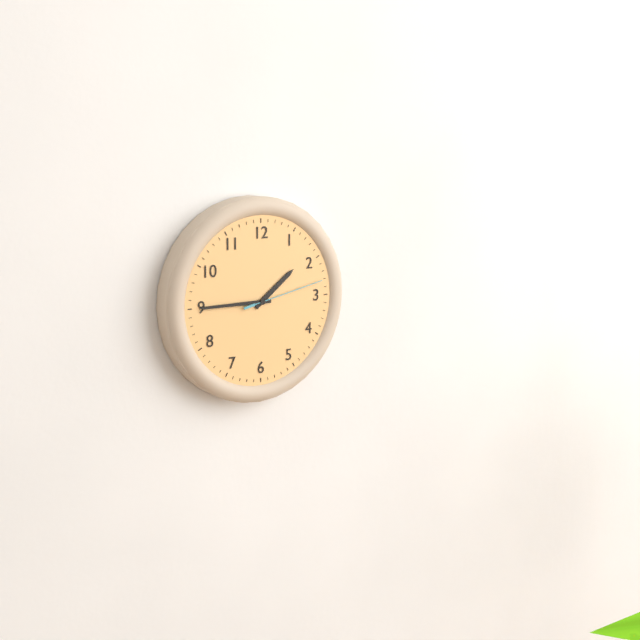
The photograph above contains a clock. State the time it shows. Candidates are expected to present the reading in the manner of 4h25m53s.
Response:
1h45m13s
